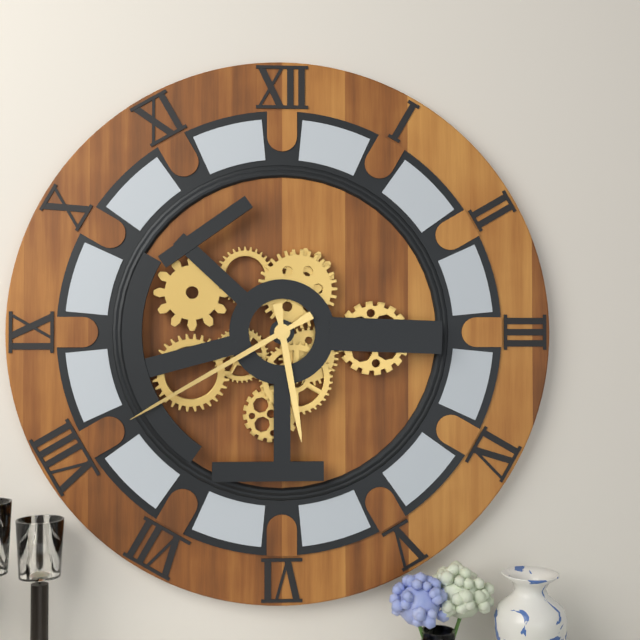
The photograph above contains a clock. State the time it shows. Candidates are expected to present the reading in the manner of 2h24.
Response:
5h40
